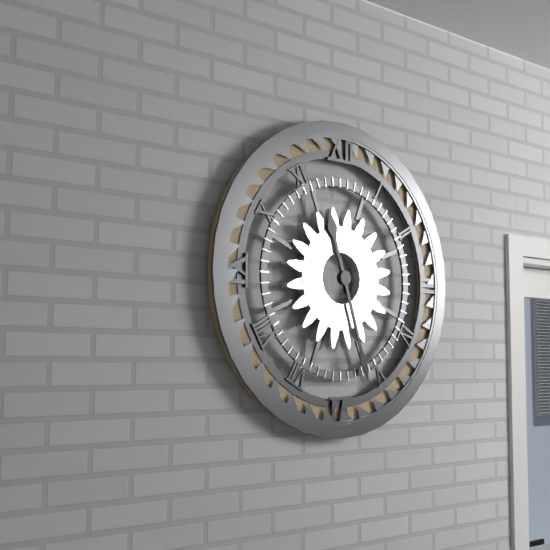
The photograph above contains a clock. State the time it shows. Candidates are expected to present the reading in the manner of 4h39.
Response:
11h27
